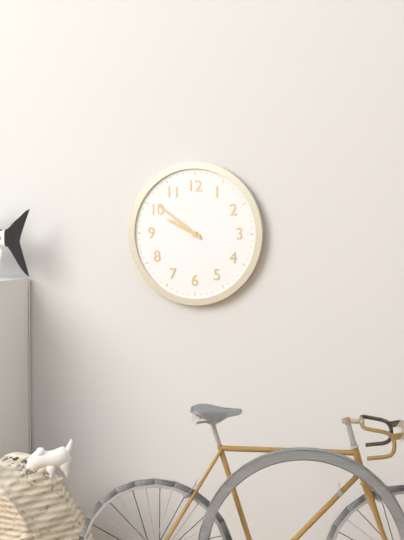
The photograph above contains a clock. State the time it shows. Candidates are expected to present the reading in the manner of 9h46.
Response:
9h51
